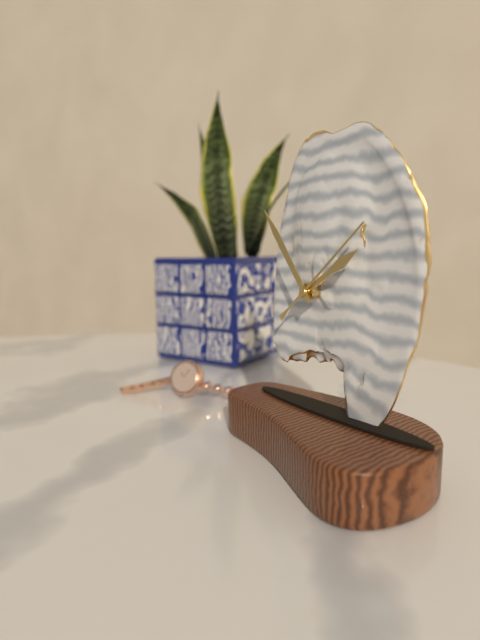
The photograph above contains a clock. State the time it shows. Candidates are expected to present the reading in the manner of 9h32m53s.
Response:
1h54m08s
